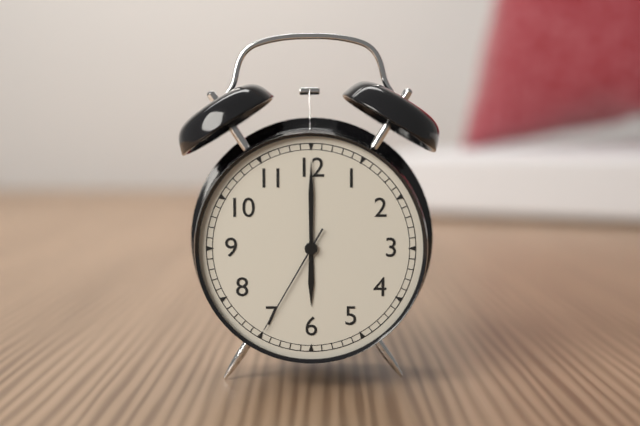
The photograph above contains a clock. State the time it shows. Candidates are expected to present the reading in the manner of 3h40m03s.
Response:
6h00m35s
